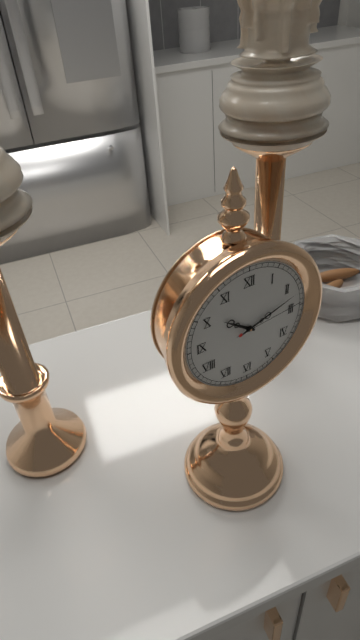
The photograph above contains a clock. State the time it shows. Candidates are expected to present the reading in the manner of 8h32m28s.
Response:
10h12m14s
